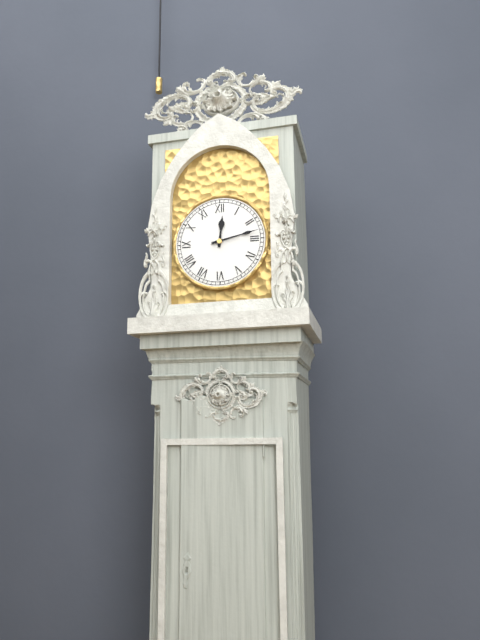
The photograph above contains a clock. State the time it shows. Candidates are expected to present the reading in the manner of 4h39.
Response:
12h13
